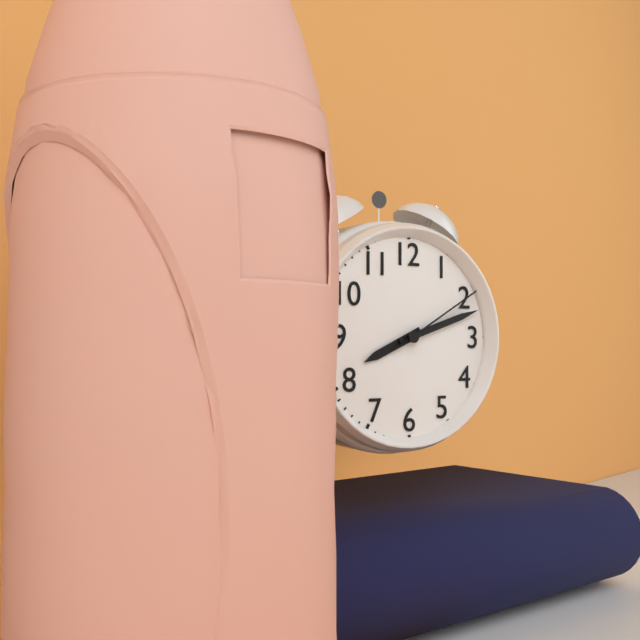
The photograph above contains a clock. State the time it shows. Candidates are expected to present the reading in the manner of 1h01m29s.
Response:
8h12m10s
